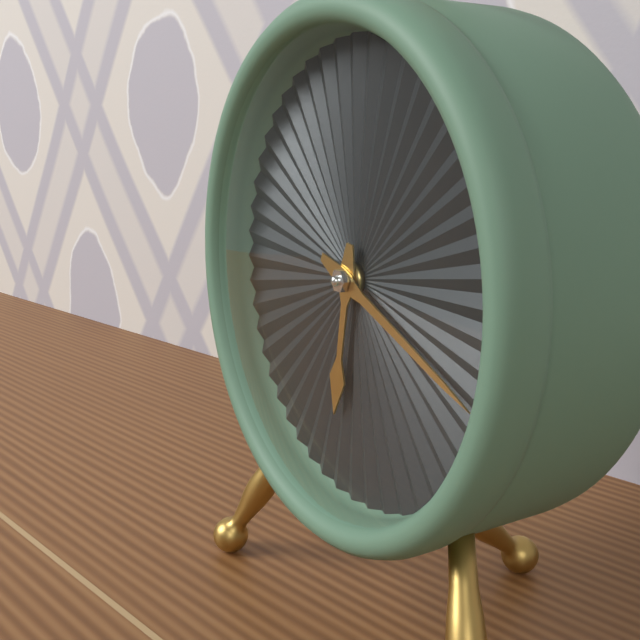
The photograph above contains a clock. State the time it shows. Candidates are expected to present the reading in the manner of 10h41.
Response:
6h19
